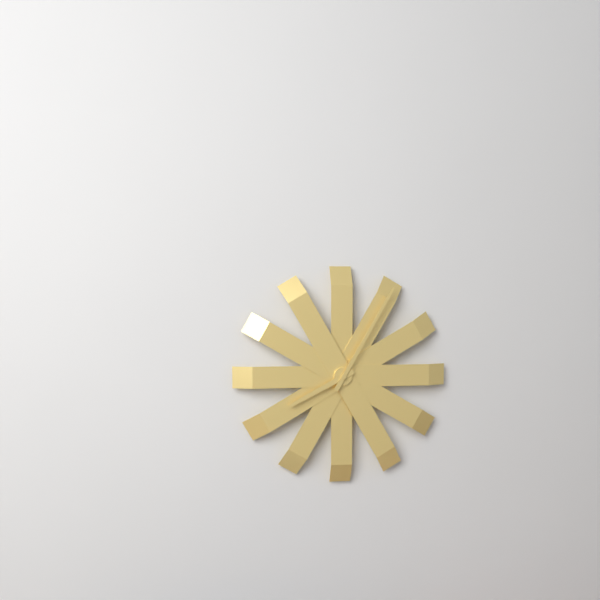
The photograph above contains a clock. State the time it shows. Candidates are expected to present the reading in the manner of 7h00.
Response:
8h05
